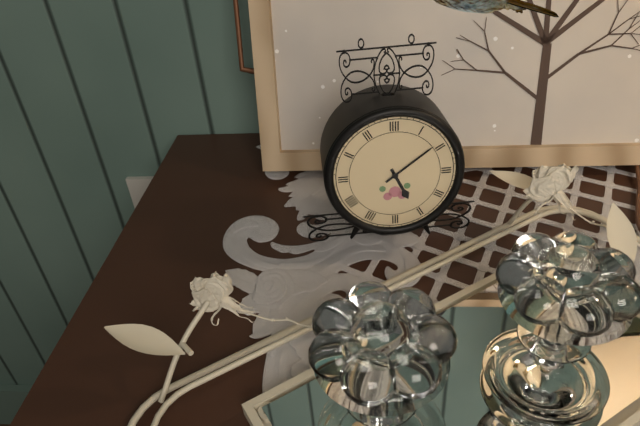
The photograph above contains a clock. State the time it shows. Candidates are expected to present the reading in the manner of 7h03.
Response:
5h09
